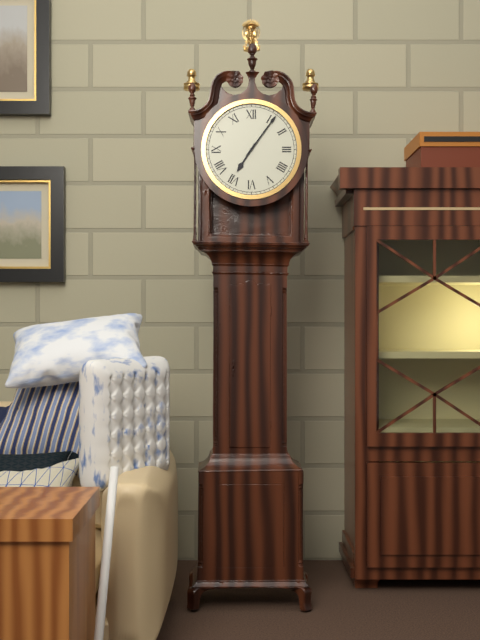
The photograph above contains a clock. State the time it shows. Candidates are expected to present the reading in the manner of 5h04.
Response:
7h06
